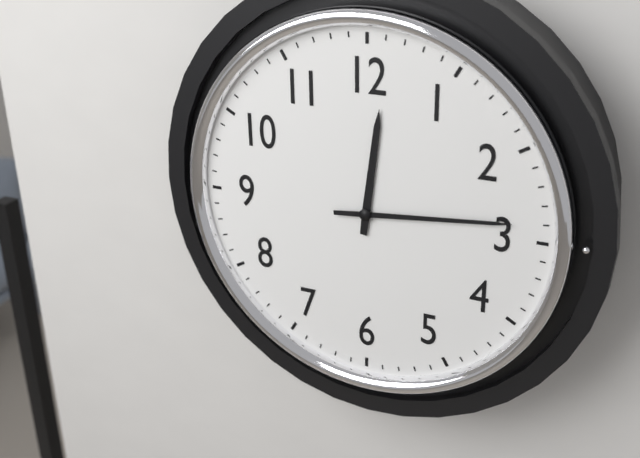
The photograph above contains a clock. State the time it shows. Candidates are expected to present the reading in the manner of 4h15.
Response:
12h14
